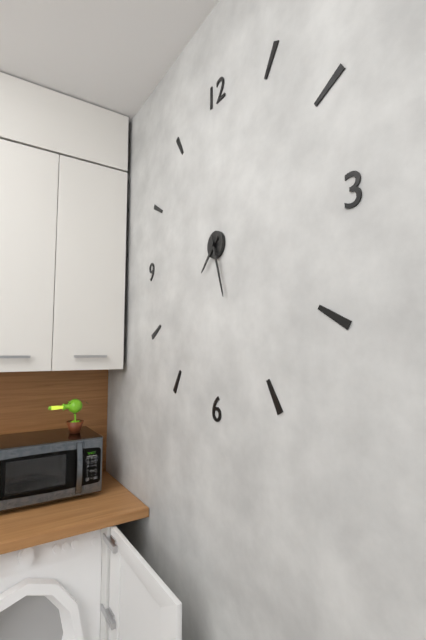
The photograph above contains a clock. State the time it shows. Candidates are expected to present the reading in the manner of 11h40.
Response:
7h27
